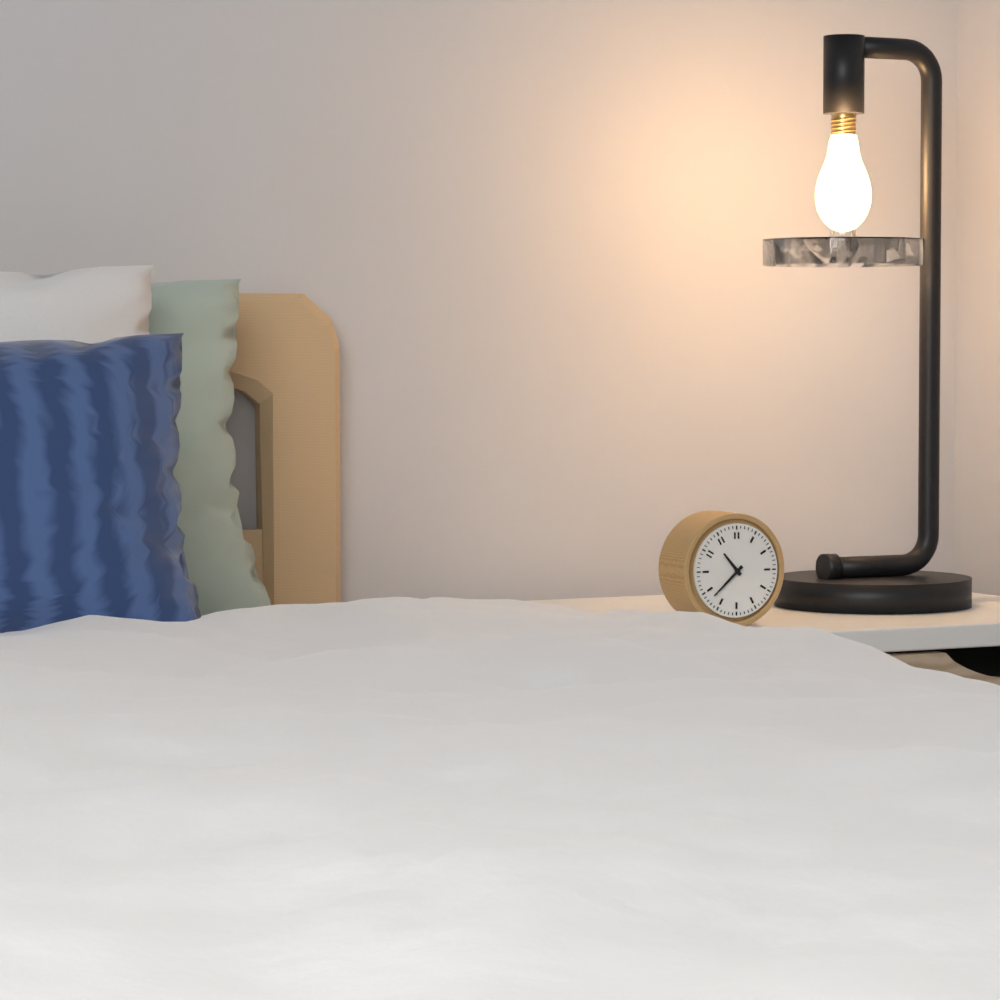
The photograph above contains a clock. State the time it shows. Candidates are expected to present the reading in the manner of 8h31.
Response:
10h38
